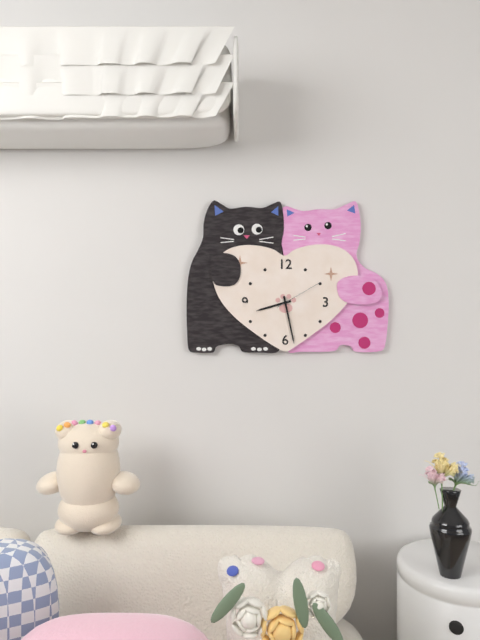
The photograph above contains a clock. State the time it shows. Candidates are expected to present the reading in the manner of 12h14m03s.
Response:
8h28m10s
